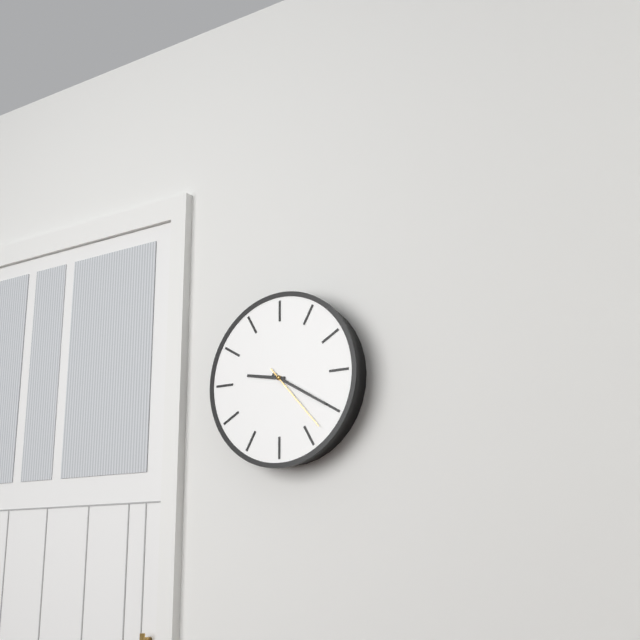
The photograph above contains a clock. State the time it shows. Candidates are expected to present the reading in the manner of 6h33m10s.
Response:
9h20m23s
